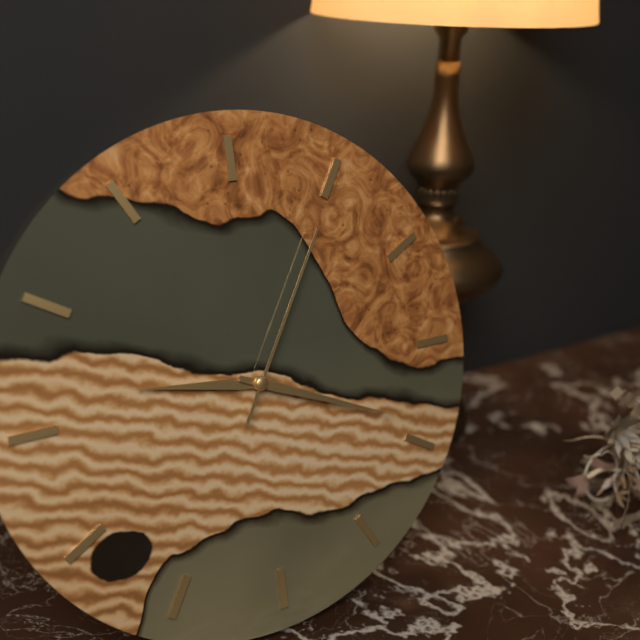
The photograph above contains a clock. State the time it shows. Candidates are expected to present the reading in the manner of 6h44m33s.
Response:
9h19m05s
